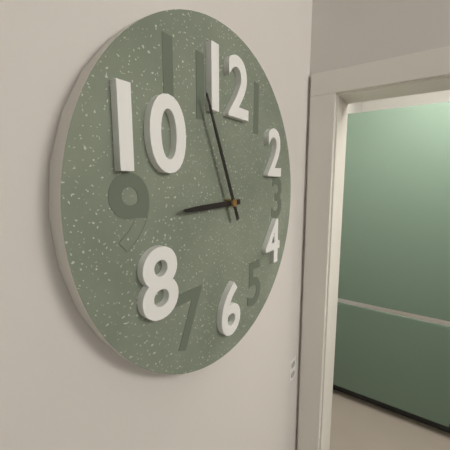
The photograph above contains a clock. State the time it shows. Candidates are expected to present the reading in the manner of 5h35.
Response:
8h56
